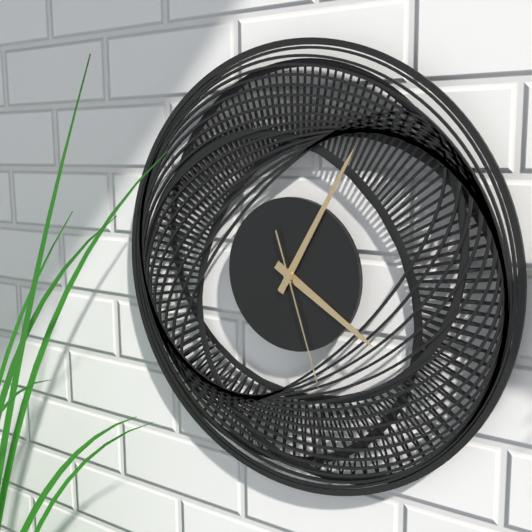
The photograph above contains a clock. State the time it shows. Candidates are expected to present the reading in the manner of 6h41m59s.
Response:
4h05m27s
